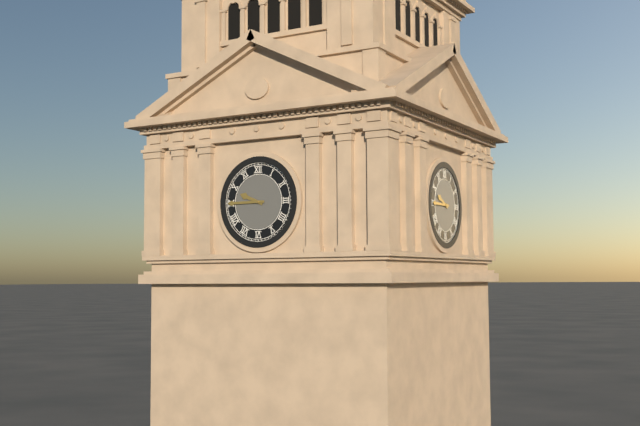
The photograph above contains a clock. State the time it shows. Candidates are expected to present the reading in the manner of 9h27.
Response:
9h45
